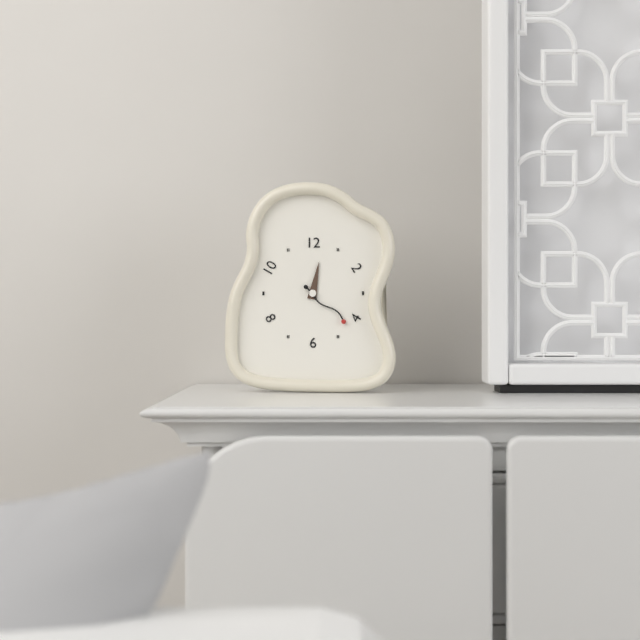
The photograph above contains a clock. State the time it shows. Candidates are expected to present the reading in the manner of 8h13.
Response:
12h22
